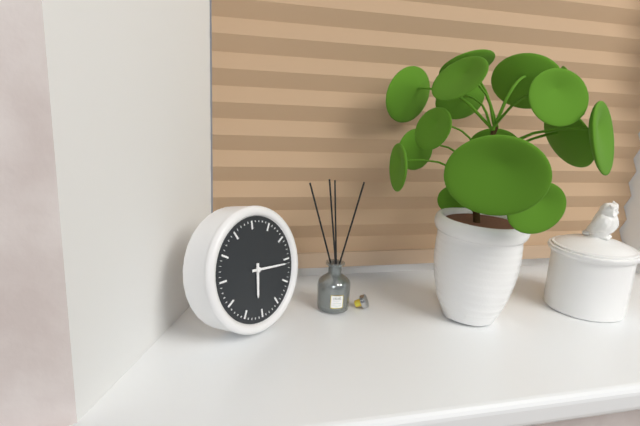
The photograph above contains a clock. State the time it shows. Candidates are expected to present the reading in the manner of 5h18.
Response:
6h16
